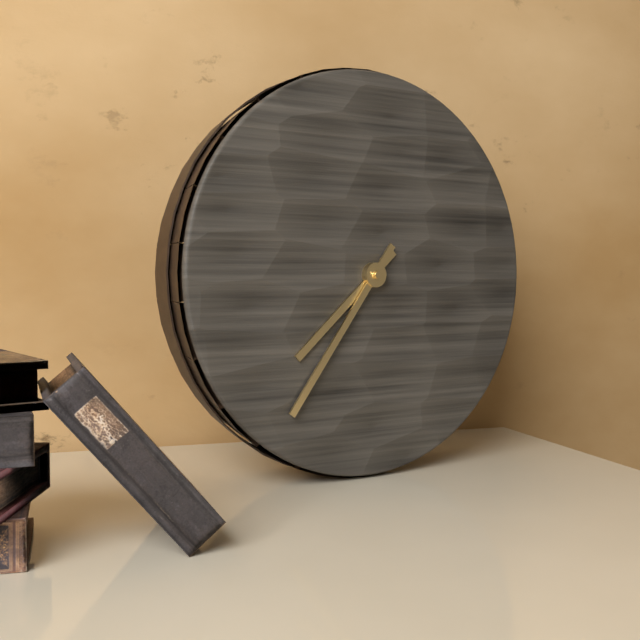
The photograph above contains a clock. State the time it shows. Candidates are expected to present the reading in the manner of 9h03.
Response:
7h36
